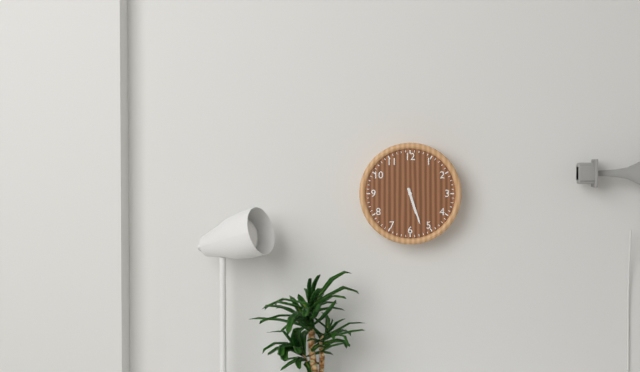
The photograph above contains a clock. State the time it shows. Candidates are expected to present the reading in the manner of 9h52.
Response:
5h27
